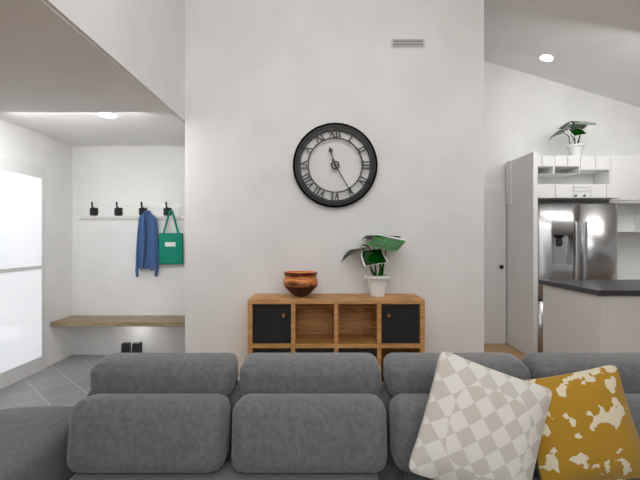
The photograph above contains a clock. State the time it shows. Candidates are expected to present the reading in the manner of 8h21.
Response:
11h25
